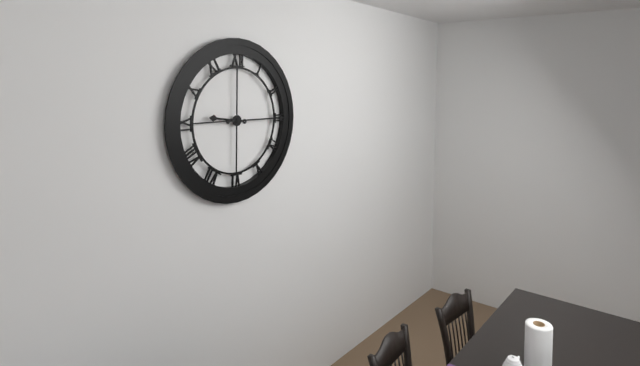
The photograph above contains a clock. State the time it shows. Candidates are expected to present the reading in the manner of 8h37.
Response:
9h15
